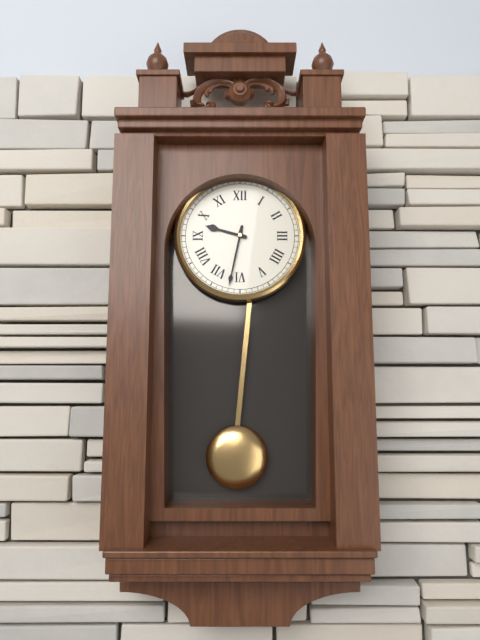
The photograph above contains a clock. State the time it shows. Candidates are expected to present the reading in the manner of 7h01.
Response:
9h32
